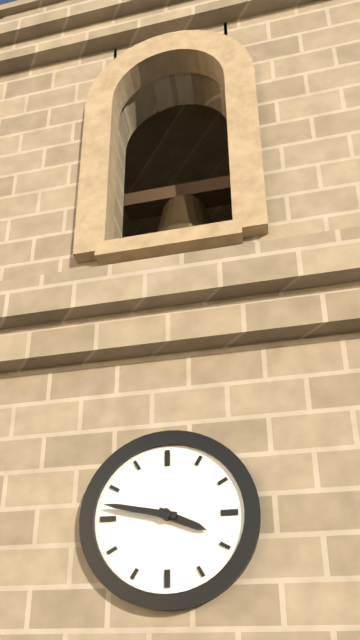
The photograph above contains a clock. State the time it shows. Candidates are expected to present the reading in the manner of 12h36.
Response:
3h47
